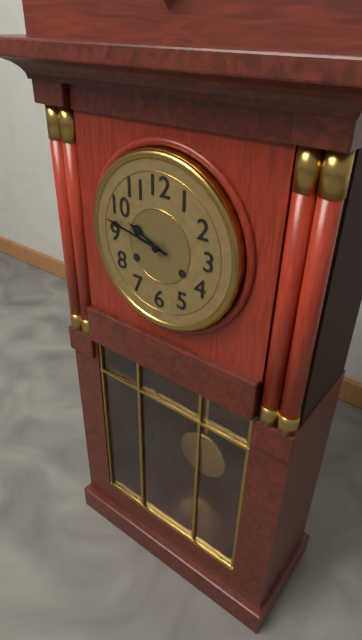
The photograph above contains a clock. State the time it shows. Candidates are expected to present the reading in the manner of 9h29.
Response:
9h47
